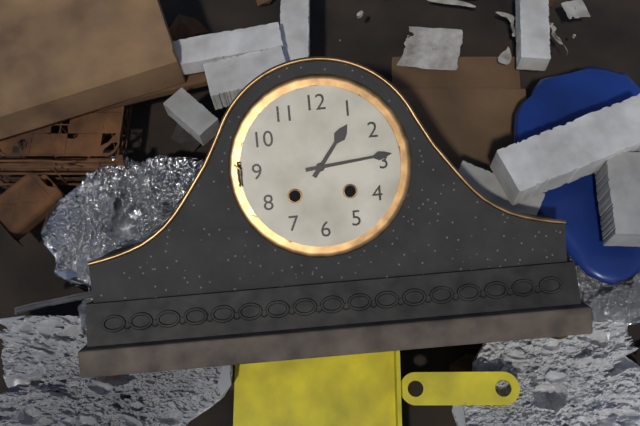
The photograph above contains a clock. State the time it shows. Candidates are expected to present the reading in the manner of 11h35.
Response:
1h14
